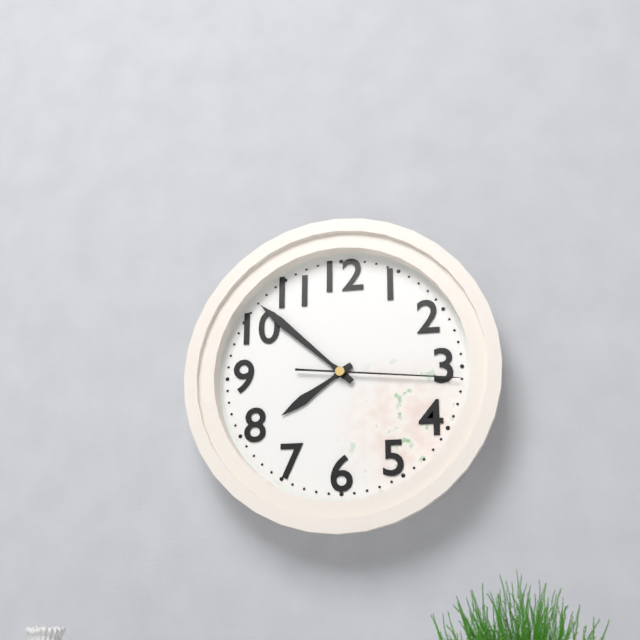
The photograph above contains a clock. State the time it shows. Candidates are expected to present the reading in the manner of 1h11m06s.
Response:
7h52m16s
